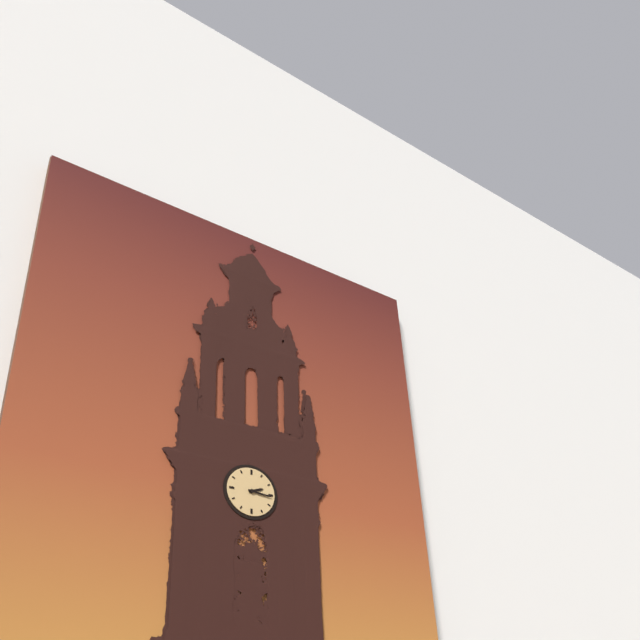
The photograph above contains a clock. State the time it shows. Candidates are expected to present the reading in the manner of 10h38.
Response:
2h16
